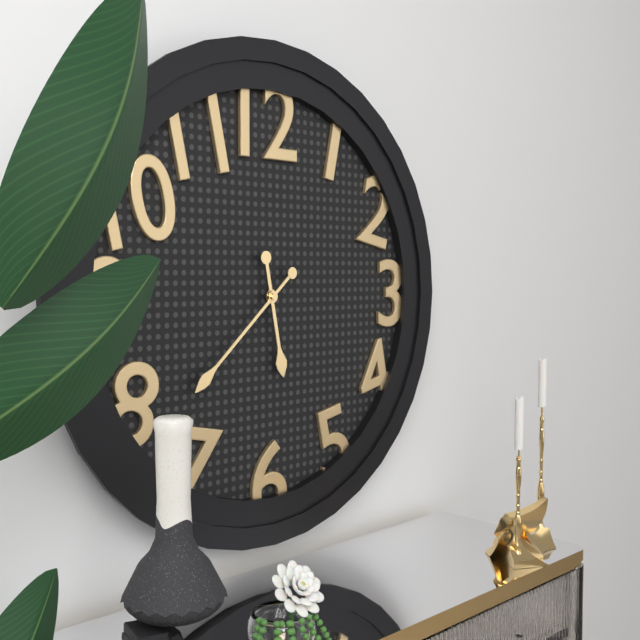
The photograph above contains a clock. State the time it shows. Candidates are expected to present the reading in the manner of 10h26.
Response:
5h38
